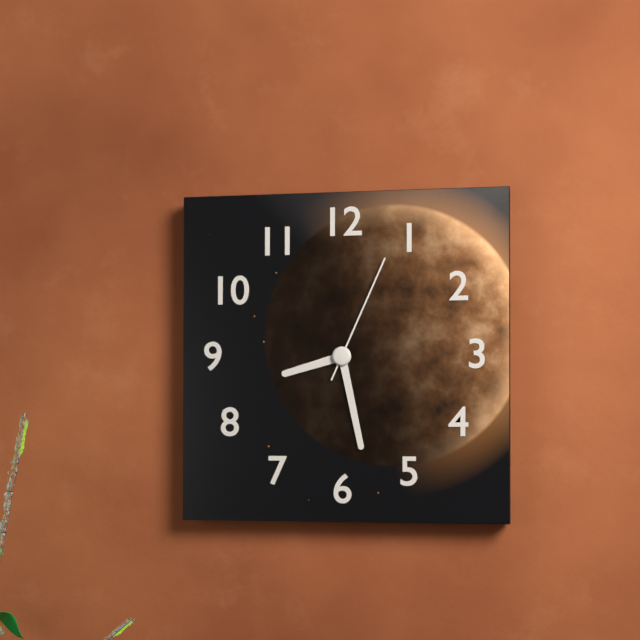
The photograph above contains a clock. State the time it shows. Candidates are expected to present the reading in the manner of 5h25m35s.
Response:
8h28m04s
